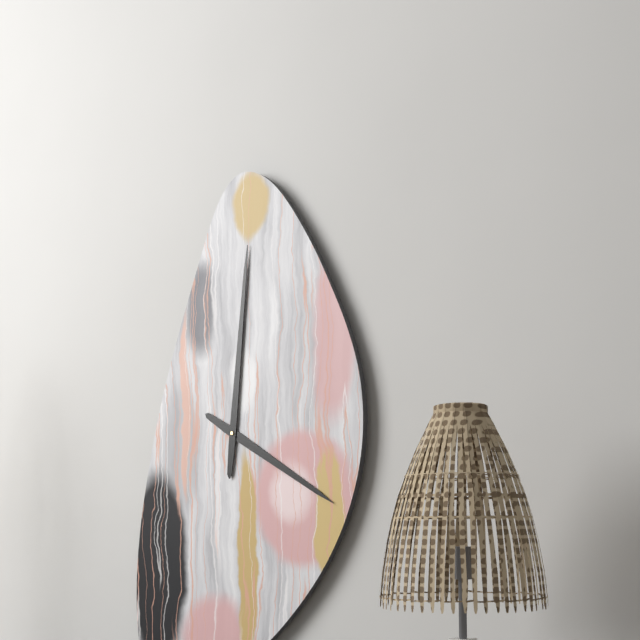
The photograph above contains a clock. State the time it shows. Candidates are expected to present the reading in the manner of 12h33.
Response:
4h01
